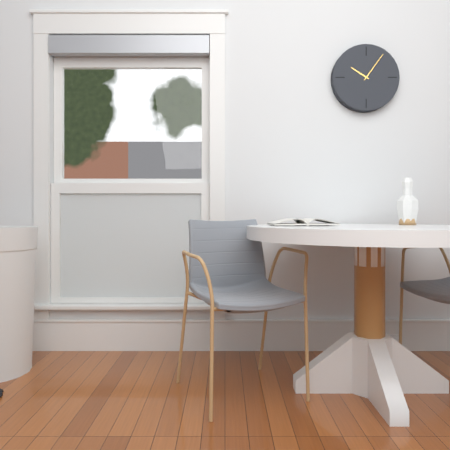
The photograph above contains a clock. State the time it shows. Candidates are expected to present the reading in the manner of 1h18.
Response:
10h06
